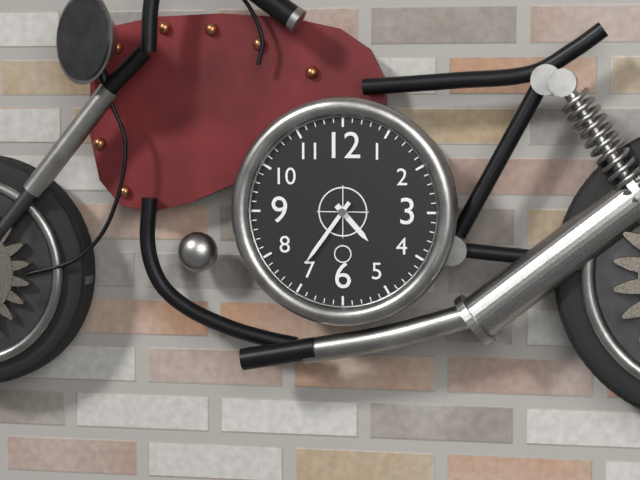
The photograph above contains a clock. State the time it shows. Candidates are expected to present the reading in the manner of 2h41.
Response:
4h36
